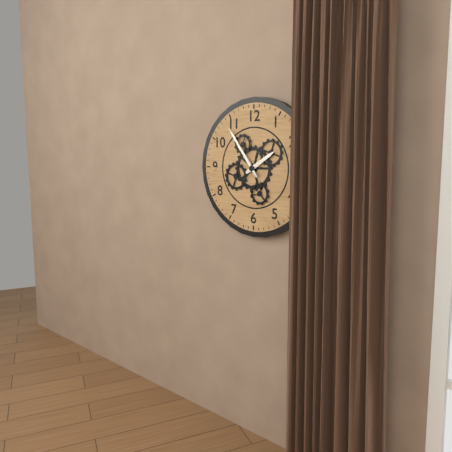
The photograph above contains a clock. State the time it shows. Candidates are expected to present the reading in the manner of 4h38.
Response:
1h54
